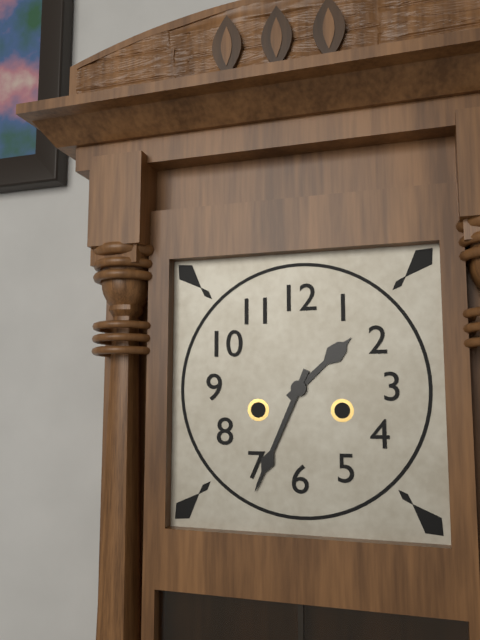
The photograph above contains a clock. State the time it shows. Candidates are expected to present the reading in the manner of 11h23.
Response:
1h34
